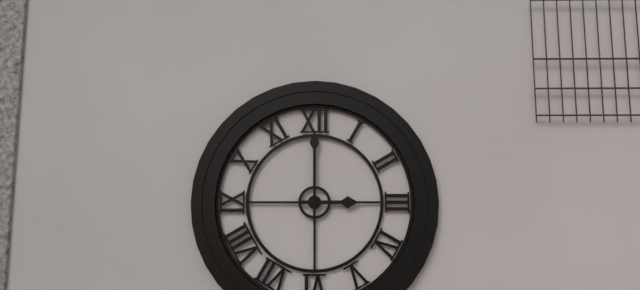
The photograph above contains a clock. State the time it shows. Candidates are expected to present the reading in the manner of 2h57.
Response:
3h00
